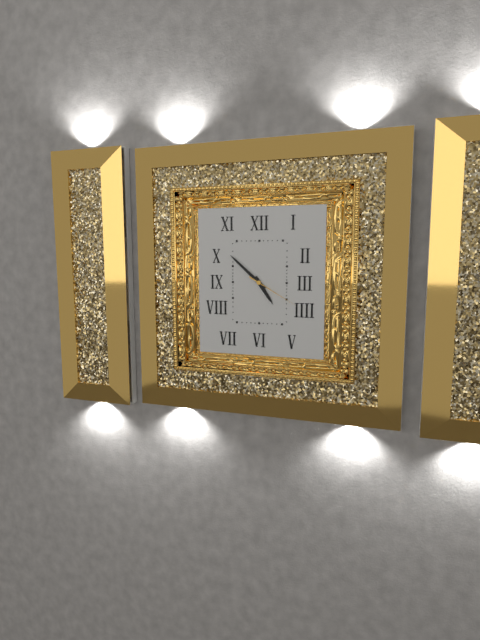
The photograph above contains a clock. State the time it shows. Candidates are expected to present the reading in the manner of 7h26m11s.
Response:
4h52m20s
